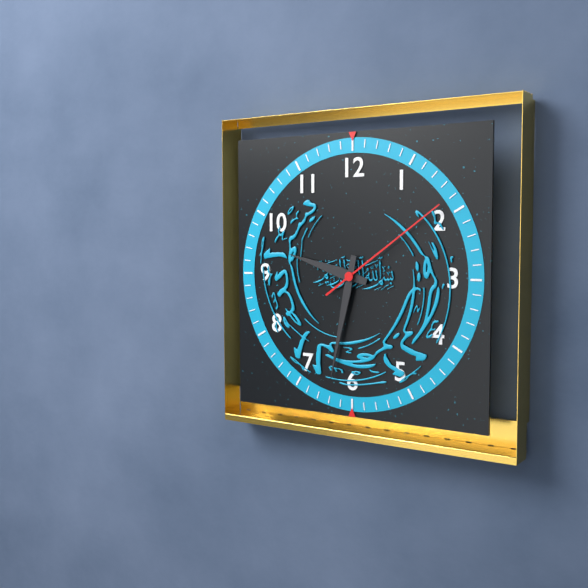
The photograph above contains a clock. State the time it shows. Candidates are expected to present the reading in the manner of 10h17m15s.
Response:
9h32m09s
